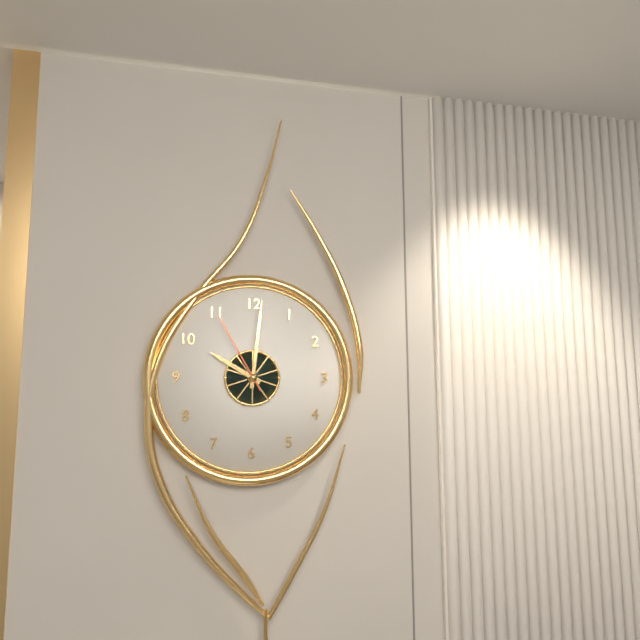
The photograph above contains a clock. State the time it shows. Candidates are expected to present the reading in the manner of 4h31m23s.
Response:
10h01m55s
